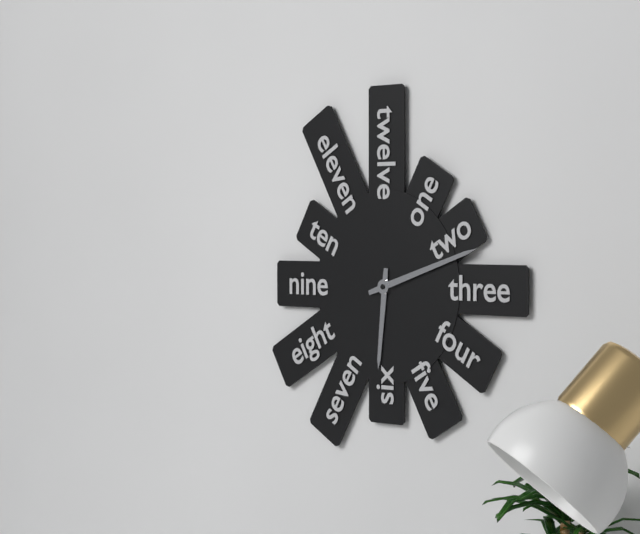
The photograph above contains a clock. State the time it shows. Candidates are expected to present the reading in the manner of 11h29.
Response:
6h12
